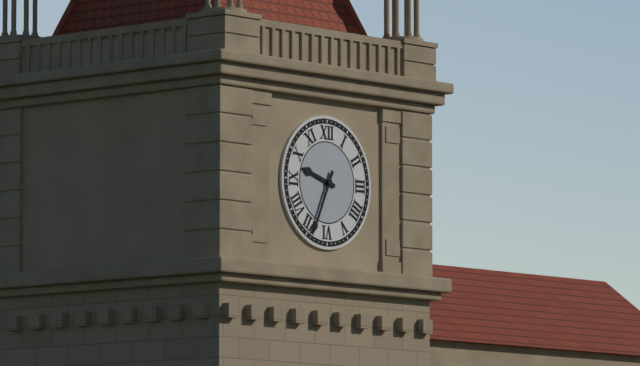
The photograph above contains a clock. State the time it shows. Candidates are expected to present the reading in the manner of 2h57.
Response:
9h34
